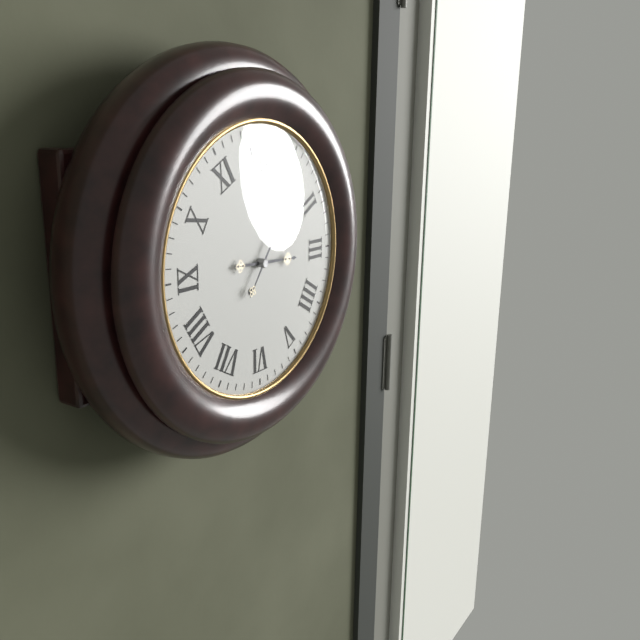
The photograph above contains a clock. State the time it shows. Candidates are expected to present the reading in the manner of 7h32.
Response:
3h06
